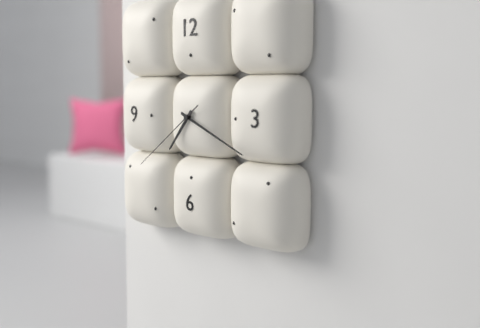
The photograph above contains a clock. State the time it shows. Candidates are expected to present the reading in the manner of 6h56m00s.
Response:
7h19m39s
